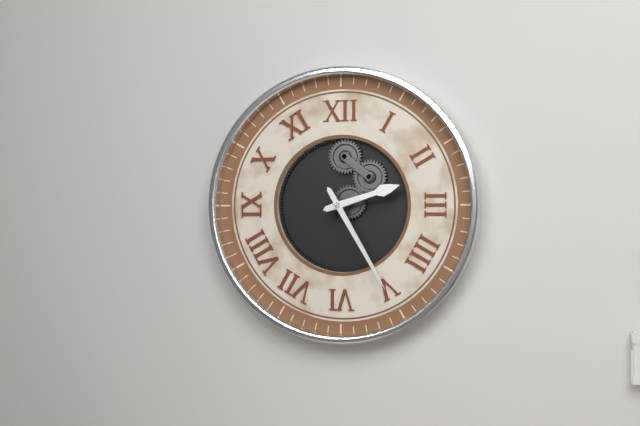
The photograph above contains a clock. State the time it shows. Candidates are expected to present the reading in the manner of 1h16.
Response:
2h25
